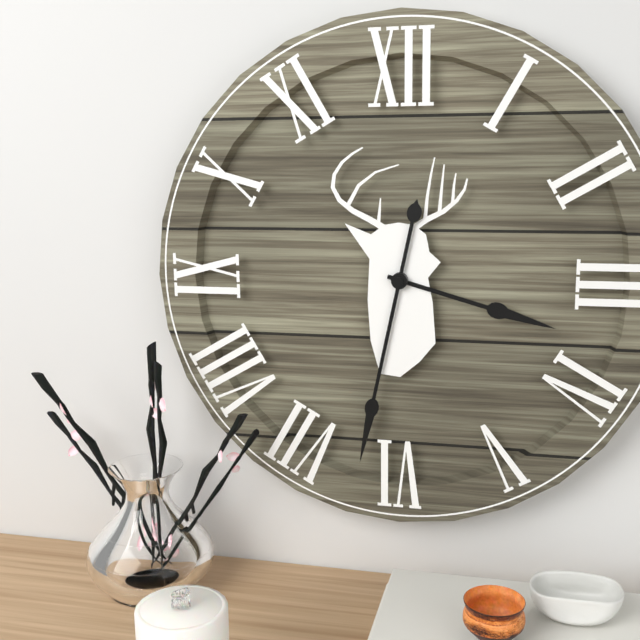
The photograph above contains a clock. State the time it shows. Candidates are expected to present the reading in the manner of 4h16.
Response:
3h32
